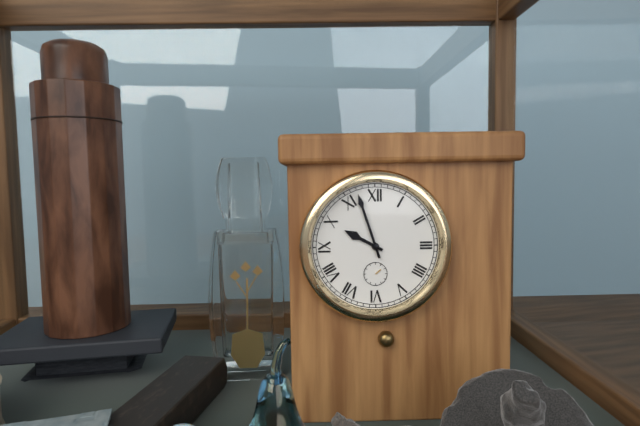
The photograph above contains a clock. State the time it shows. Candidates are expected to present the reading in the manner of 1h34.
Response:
9h57
